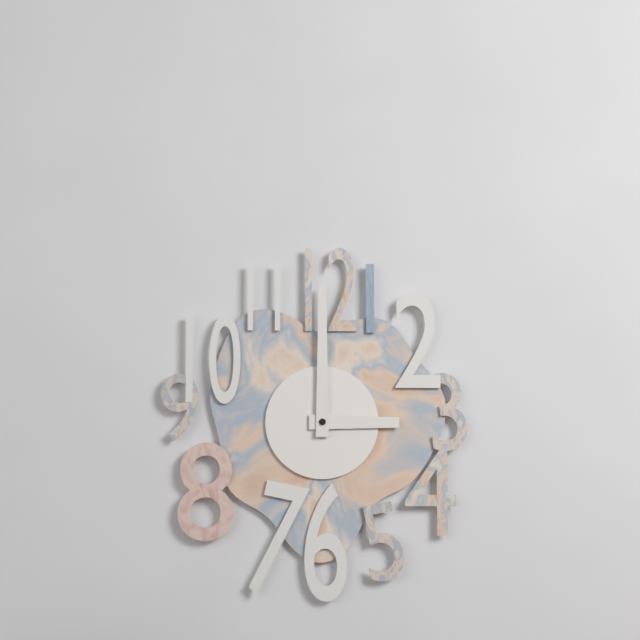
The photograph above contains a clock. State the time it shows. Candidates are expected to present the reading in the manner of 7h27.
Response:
3h00
